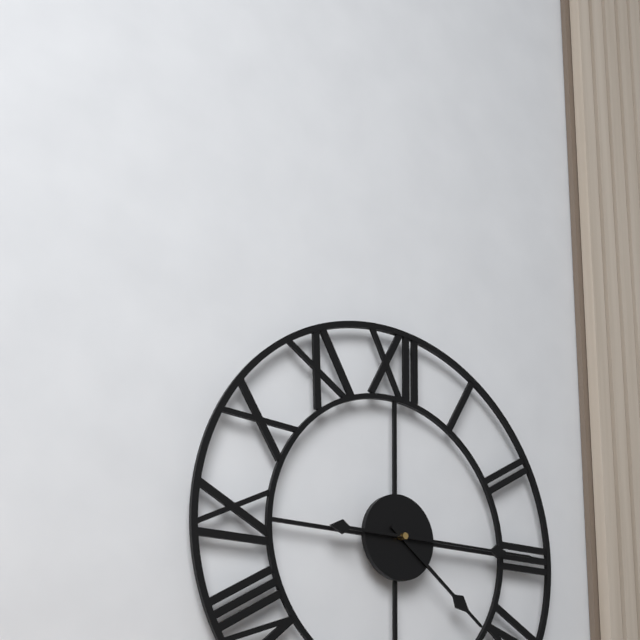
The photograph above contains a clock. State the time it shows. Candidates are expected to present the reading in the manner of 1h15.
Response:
4h15
